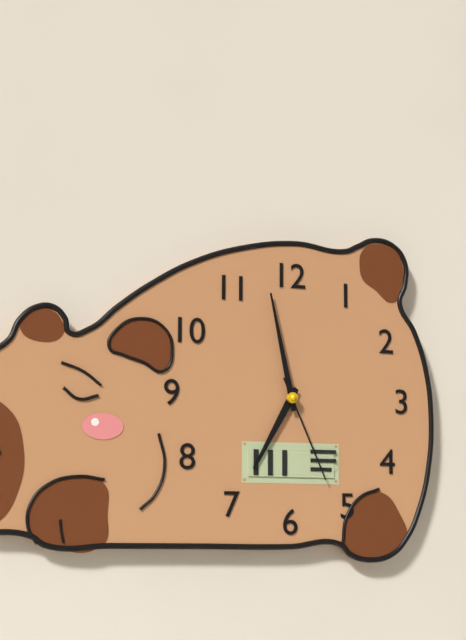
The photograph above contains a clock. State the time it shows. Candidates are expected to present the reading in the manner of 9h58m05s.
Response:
6h58m26s
